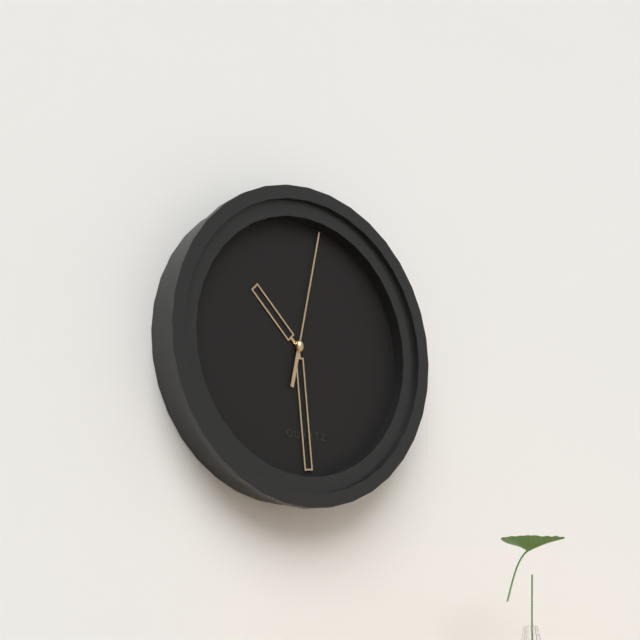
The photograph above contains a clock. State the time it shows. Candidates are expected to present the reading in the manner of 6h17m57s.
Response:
10h29m02s
